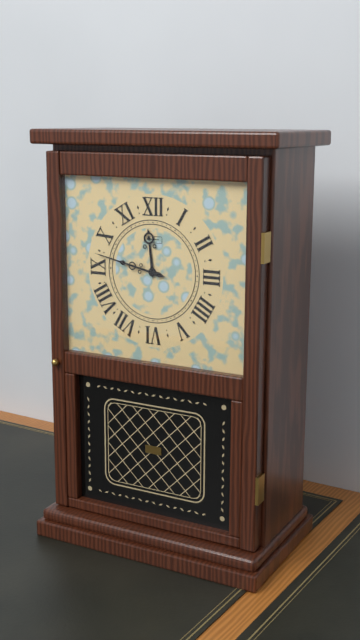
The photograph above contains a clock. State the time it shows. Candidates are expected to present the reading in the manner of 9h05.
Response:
11h47
